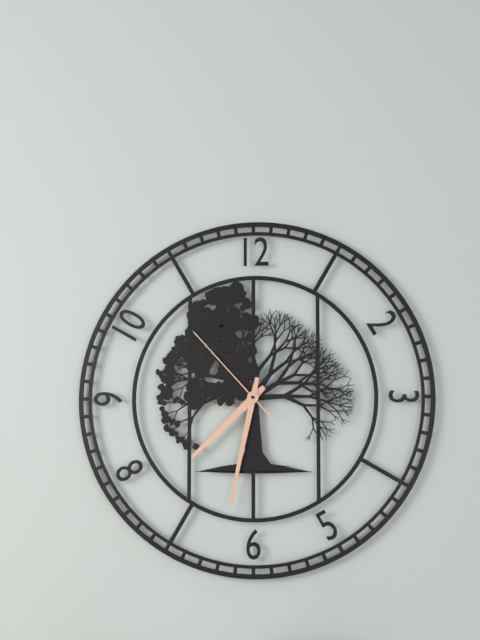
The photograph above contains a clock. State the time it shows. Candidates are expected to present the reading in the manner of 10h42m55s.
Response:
7h32m53s
